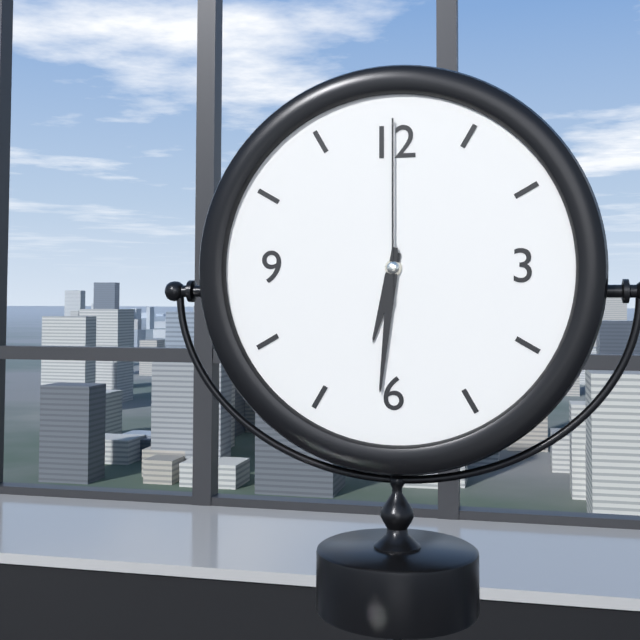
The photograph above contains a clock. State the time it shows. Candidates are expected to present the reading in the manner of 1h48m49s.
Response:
6h31m00s
